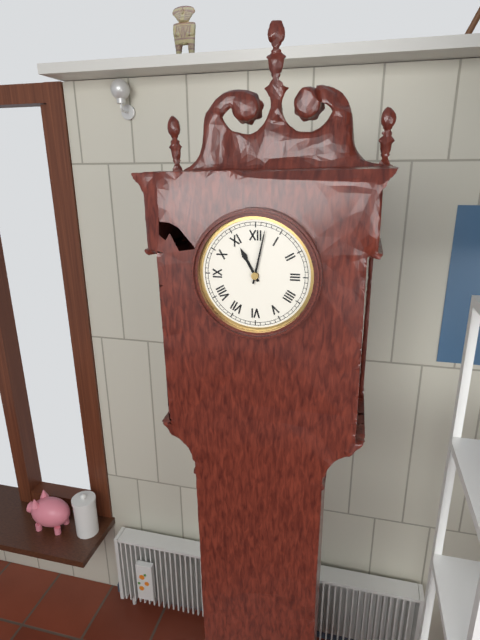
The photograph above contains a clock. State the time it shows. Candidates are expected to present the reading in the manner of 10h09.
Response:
11h02
